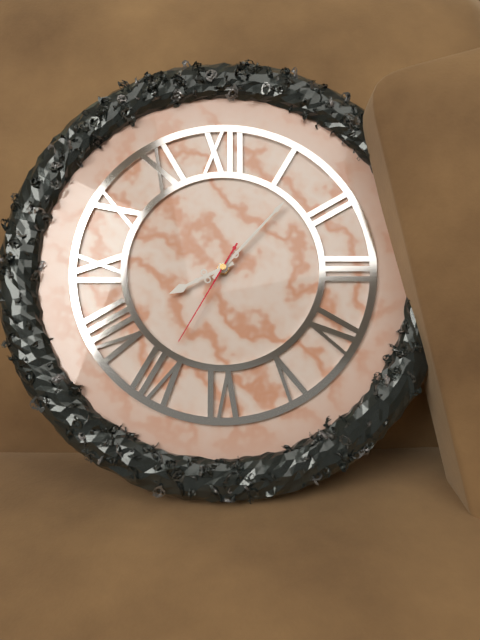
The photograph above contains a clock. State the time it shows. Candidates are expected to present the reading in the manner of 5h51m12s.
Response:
8h07m35s
